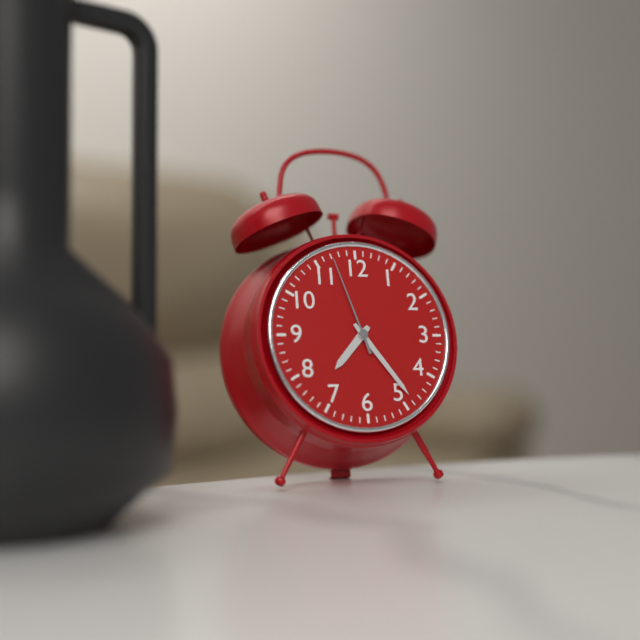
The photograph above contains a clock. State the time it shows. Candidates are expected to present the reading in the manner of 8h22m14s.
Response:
7h24m57s
